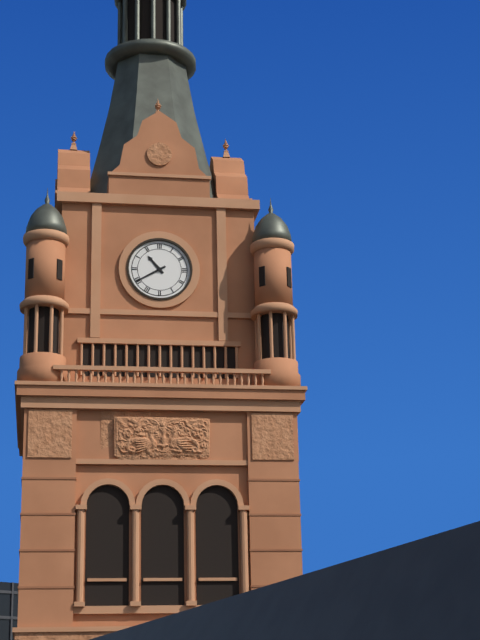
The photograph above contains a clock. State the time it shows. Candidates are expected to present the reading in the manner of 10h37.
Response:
10h40
